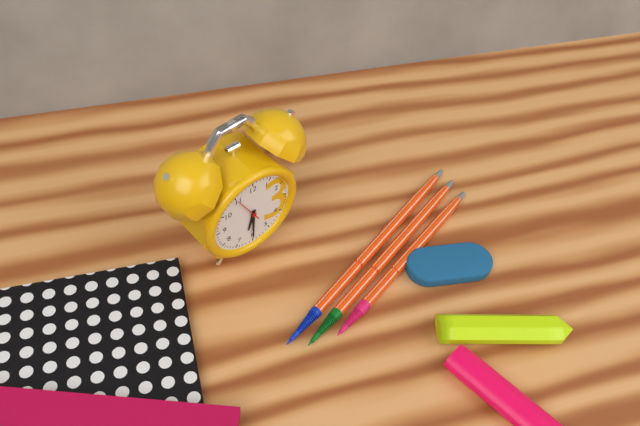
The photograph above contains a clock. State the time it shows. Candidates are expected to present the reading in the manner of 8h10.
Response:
6h30
